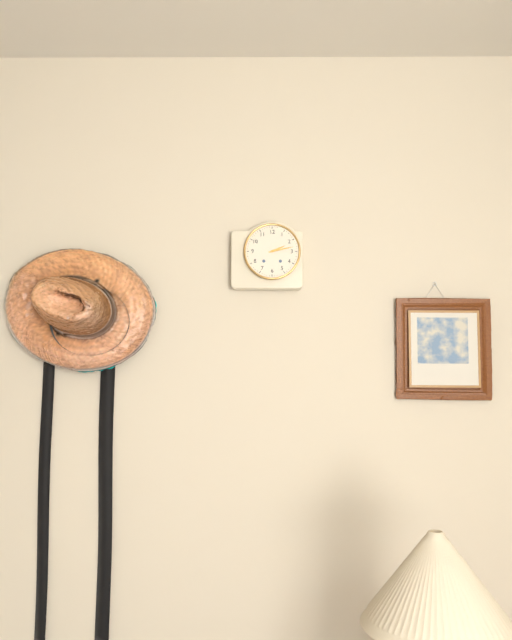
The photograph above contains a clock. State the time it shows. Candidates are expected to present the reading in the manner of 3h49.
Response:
2h13
